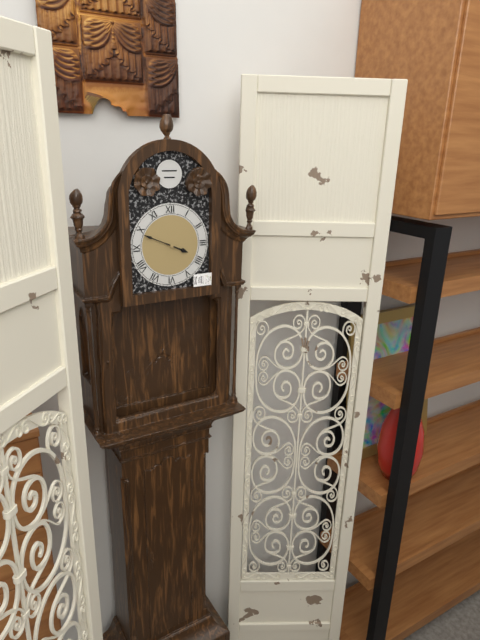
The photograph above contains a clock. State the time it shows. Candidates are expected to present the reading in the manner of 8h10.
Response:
3h49
